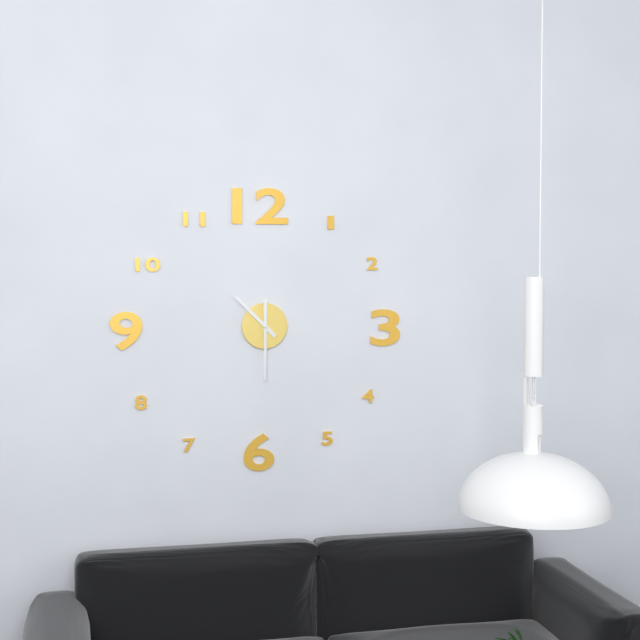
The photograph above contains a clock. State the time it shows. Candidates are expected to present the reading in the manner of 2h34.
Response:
10h30
